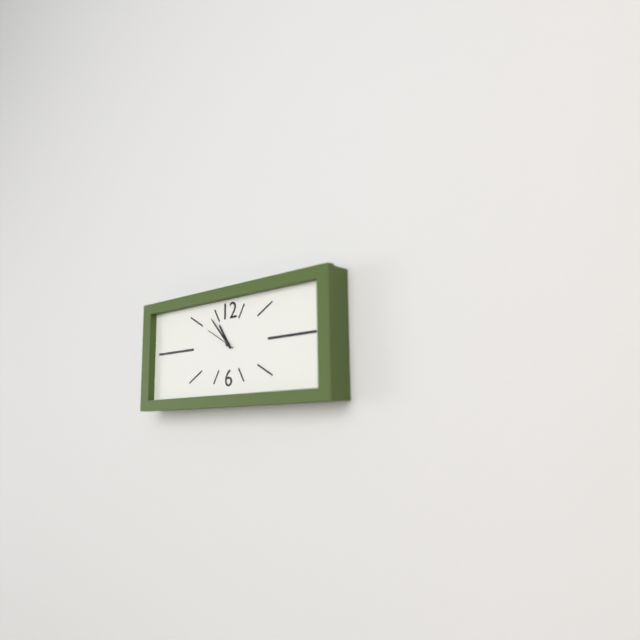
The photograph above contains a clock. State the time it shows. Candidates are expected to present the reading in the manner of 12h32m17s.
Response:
10h53m50s
